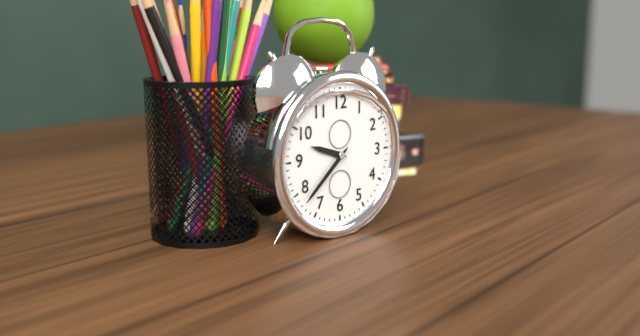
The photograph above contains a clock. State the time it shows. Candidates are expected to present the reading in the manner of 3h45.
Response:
9h38
